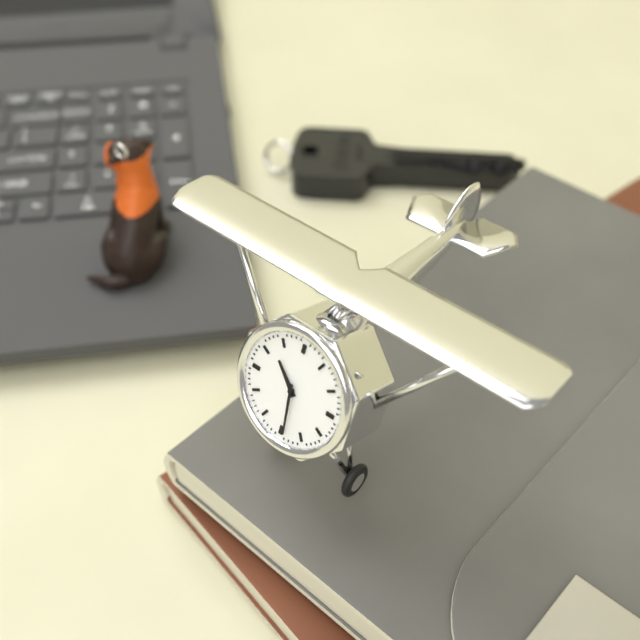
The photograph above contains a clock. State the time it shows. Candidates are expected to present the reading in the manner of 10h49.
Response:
10h29
